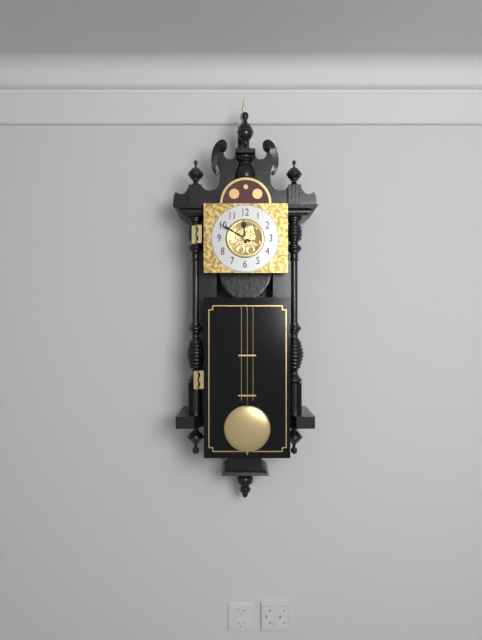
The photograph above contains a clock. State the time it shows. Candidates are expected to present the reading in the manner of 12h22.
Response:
11h50
